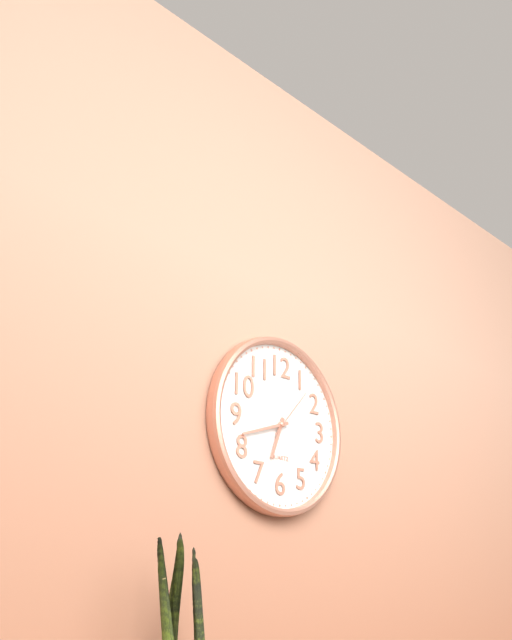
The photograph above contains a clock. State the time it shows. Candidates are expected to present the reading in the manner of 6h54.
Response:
6h42
